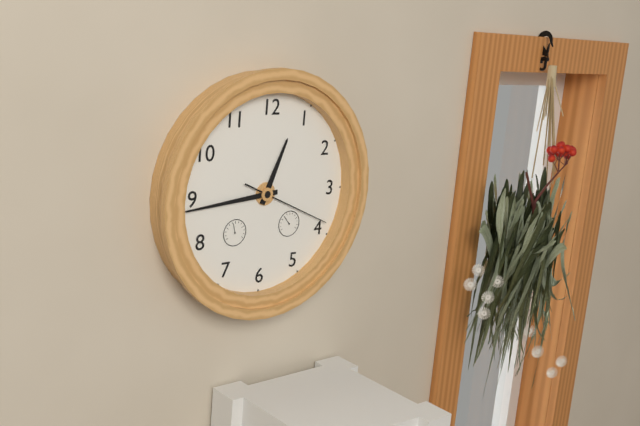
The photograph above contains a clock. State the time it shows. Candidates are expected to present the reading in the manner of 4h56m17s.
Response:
12h44m19s
